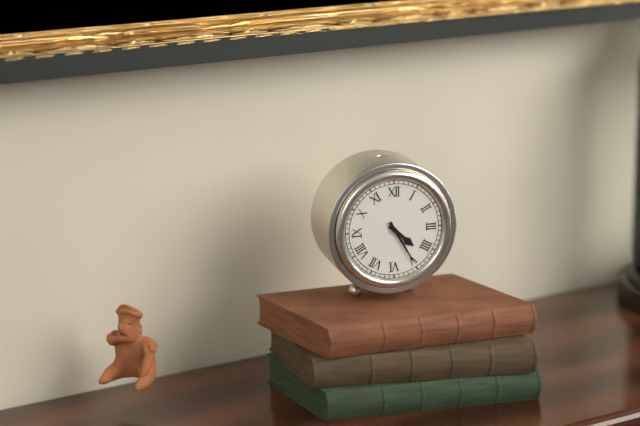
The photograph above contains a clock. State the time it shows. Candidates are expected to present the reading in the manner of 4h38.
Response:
4h25
